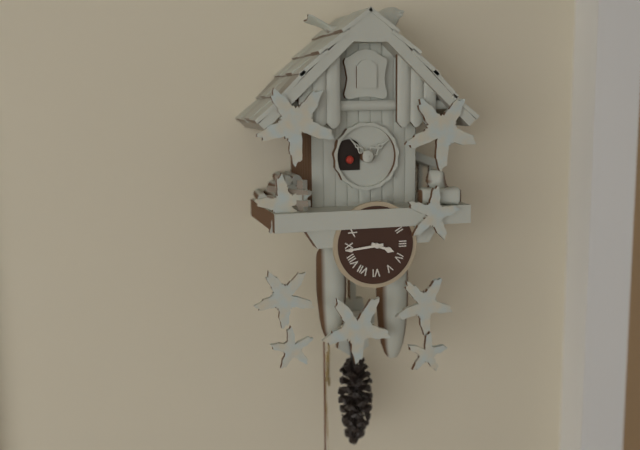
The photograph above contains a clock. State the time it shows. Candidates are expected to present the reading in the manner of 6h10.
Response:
3h44
